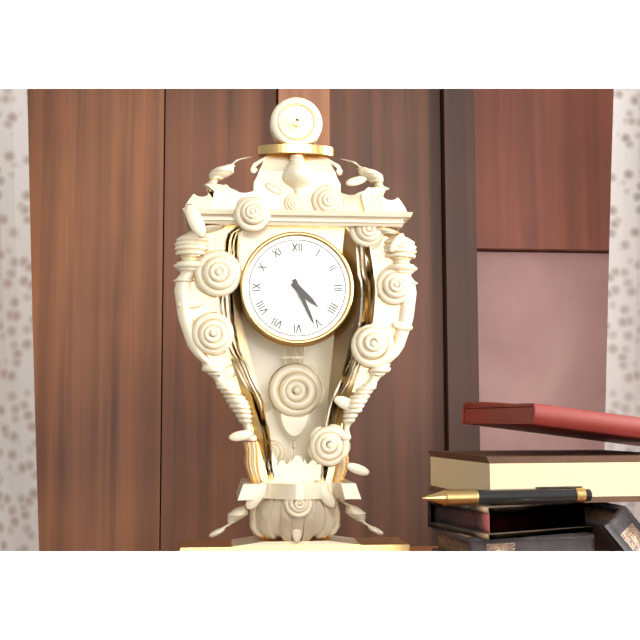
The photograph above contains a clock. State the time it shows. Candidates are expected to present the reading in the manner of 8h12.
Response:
4h26
